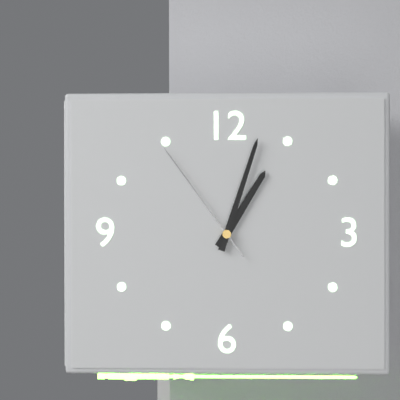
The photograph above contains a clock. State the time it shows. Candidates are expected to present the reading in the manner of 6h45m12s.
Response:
1h03m54s
